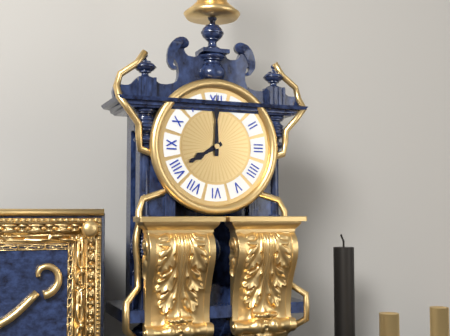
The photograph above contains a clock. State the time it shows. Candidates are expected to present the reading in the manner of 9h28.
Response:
8h00
